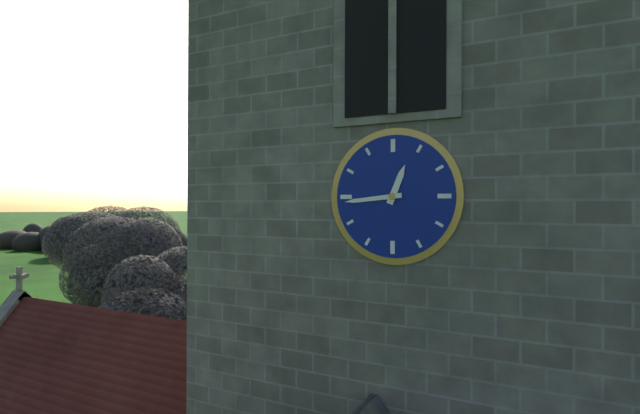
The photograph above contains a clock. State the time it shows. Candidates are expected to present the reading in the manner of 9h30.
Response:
12h44
